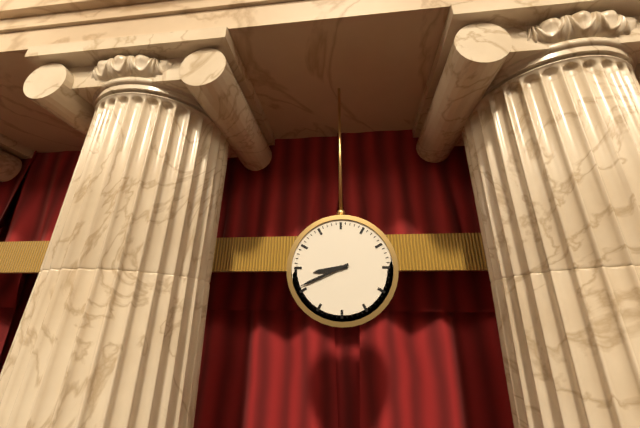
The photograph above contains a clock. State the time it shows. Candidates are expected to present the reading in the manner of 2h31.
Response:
8h41
